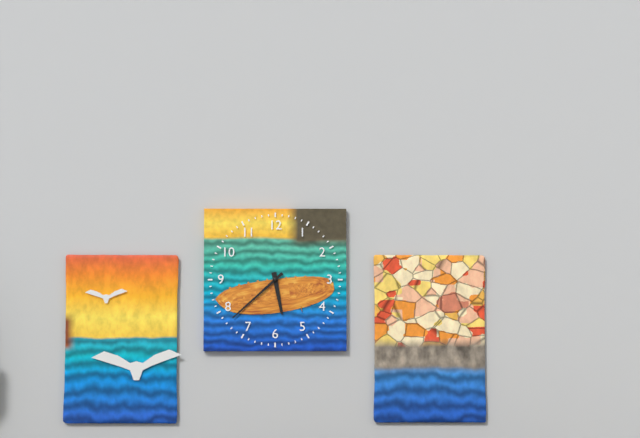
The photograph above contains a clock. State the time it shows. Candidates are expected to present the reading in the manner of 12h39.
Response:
5h38
